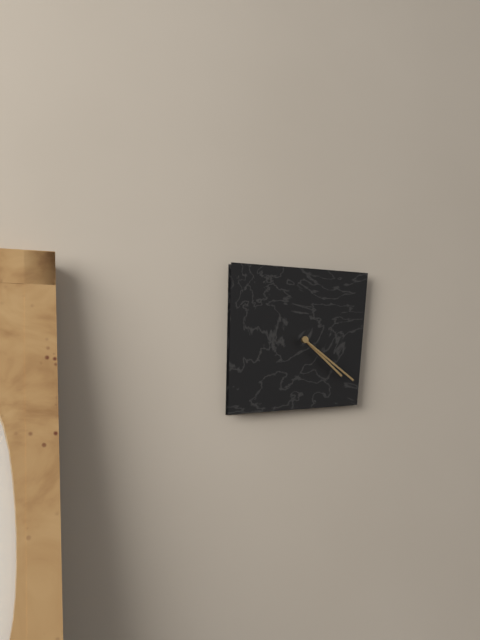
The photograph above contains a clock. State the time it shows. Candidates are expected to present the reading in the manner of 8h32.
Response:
4h21
